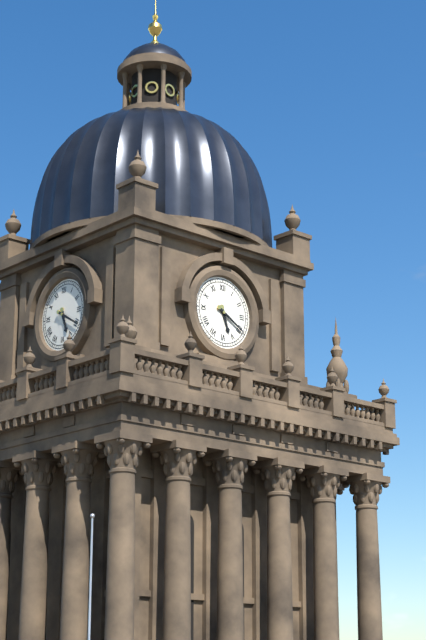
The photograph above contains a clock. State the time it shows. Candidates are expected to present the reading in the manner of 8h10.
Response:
5h20
